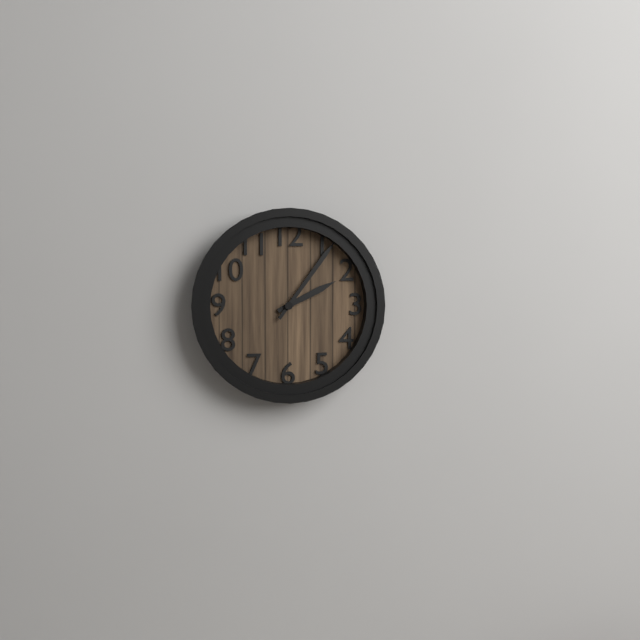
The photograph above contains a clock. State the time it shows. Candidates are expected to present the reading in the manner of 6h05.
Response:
2h06
